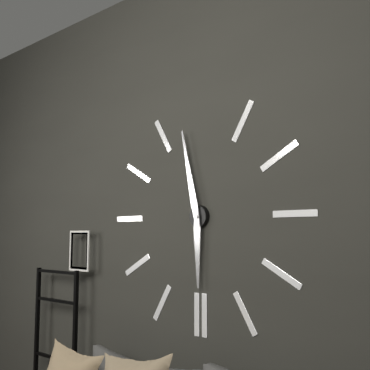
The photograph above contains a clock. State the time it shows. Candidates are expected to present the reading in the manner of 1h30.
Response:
5h58
